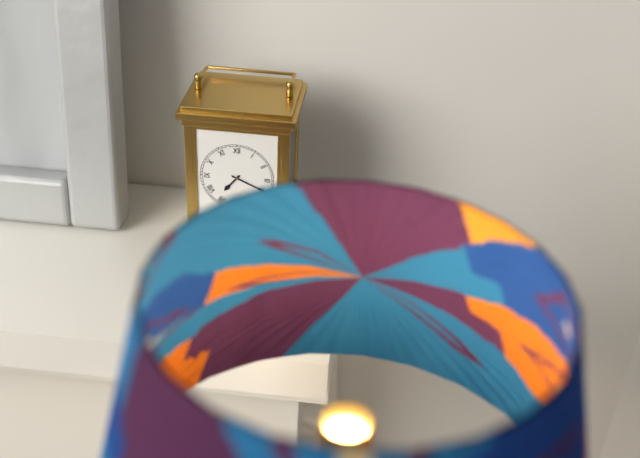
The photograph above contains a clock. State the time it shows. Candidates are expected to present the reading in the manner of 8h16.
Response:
7h19
